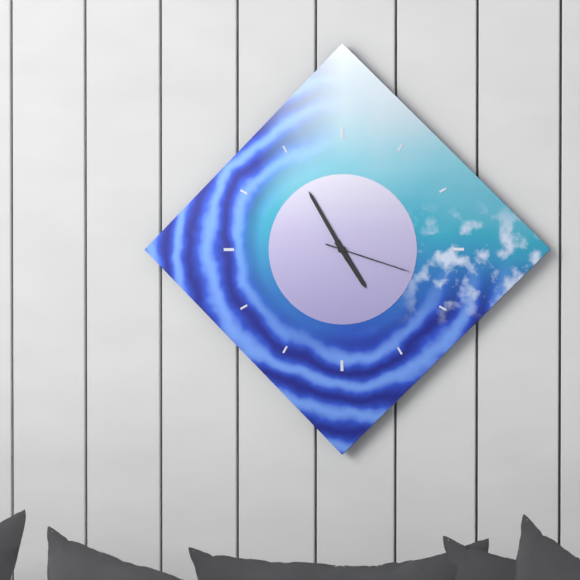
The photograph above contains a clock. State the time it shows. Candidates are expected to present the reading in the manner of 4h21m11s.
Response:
4h55m18s
